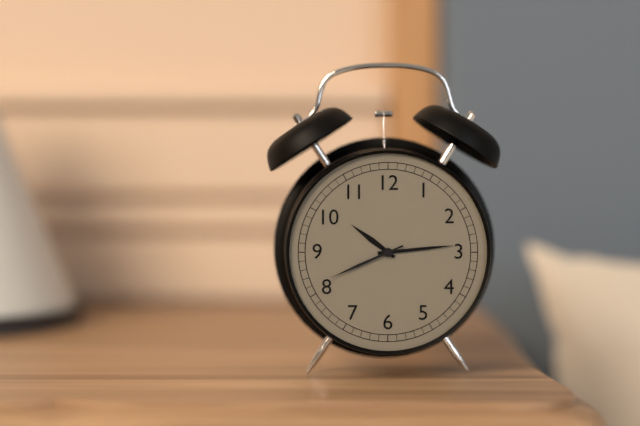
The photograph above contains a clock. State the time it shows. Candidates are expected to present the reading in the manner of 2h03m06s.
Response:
10h14m41s
